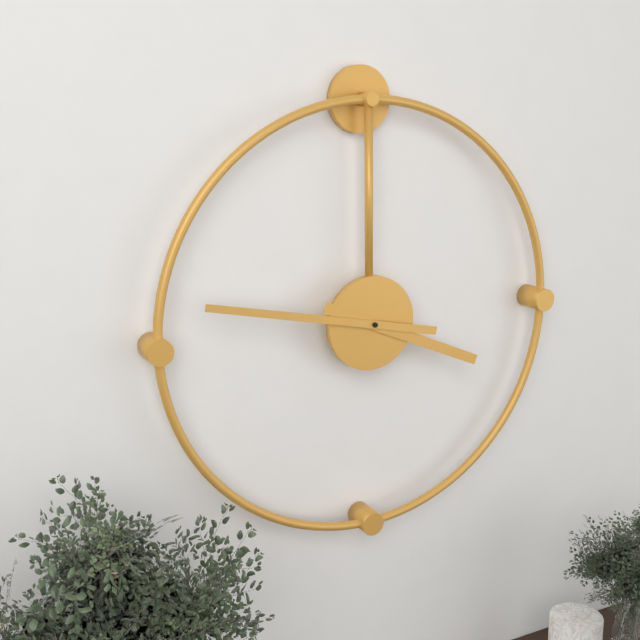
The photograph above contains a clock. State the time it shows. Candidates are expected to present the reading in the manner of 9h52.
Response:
3h47
